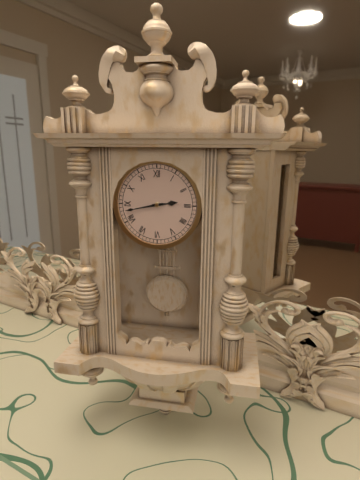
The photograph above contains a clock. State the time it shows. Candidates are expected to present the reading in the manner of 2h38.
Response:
2h43
